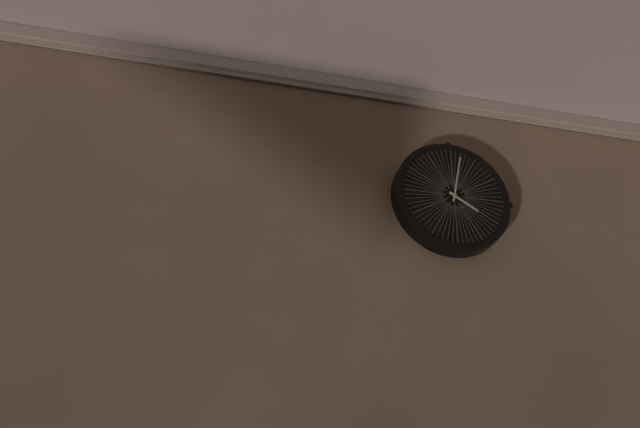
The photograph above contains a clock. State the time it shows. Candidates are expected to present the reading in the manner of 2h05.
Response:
4h02
